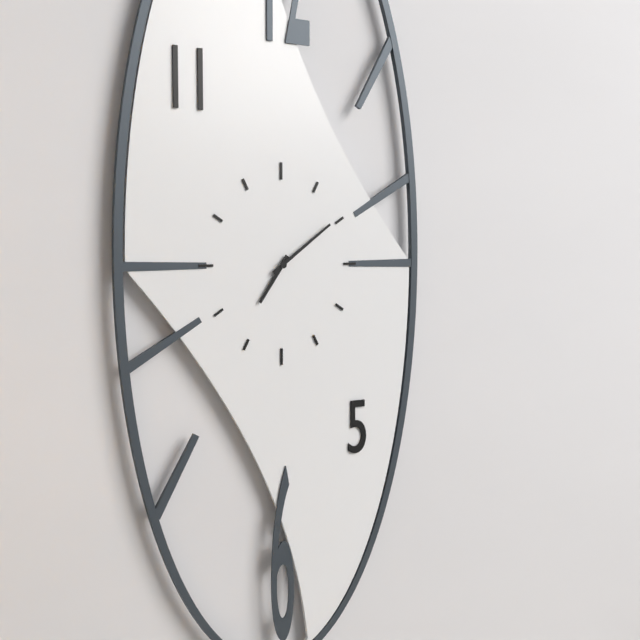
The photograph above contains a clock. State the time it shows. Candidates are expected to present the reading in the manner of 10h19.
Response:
7h09
